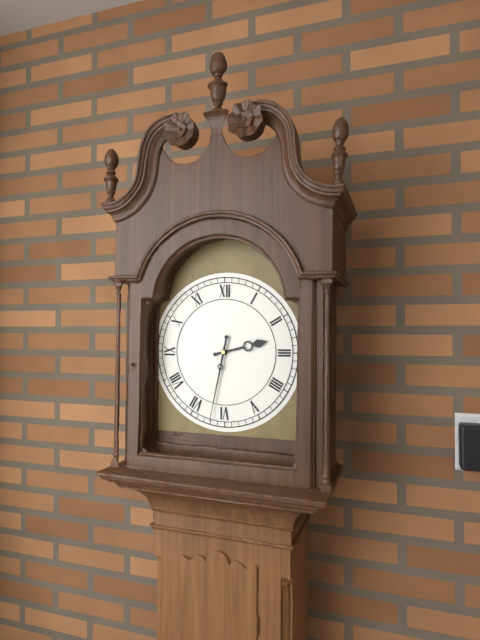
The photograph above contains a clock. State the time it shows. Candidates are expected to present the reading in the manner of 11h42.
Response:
2h32
